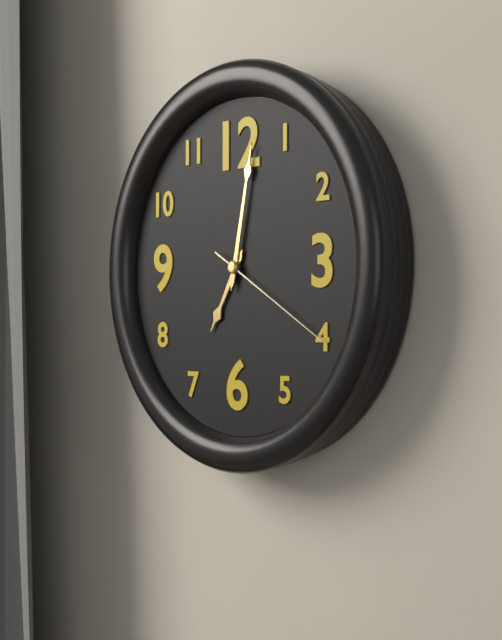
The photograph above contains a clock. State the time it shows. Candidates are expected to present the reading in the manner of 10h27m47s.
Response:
7h02m20s
